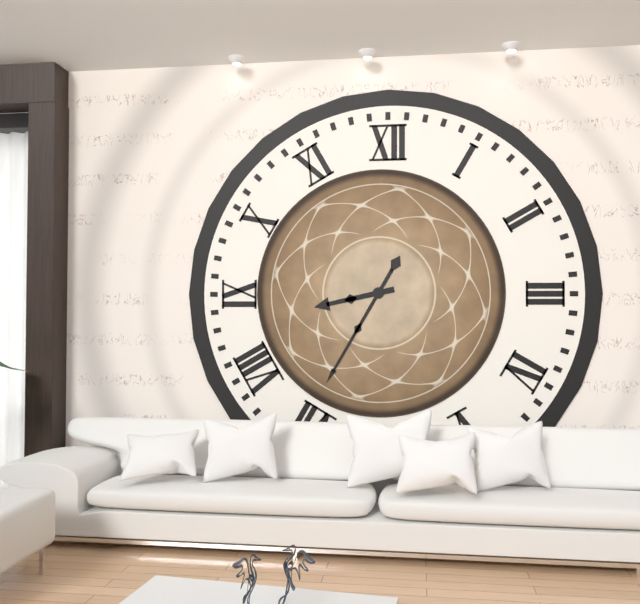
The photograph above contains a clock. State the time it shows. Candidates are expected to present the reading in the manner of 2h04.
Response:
8h35
